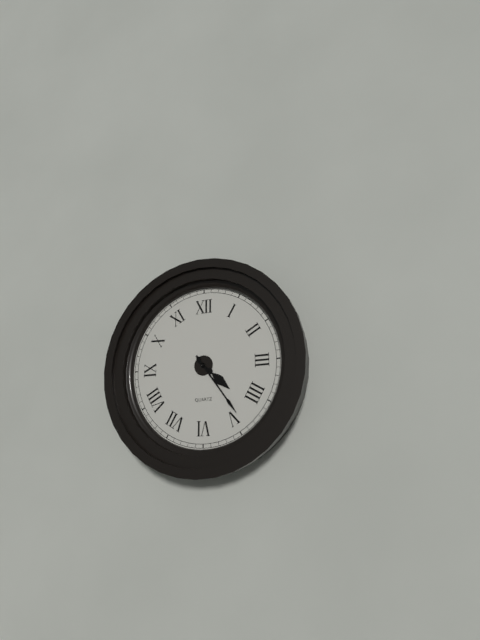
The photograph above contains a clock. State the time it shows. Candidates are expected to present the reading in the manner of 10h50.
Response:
4h24
